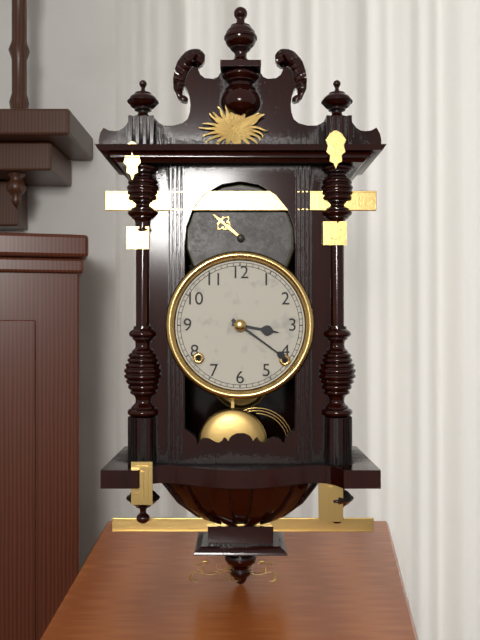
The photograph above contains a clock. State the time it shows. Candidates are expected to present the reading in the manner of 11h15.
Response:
3h21
